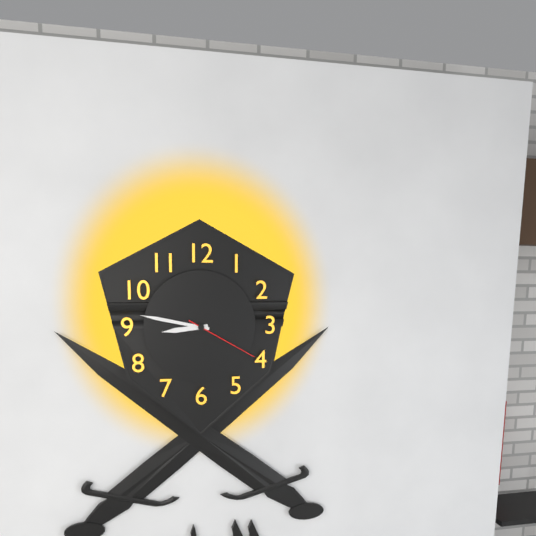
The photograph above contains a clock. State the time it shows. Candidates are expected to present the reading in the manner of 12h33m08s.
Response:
8h47m20s
